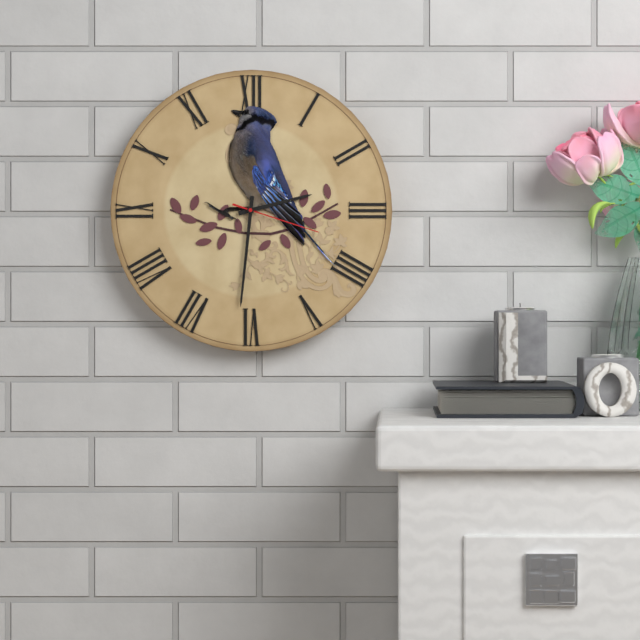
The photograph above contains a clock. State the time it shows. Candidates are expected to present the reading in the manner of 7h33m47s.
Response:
2h31m18s
